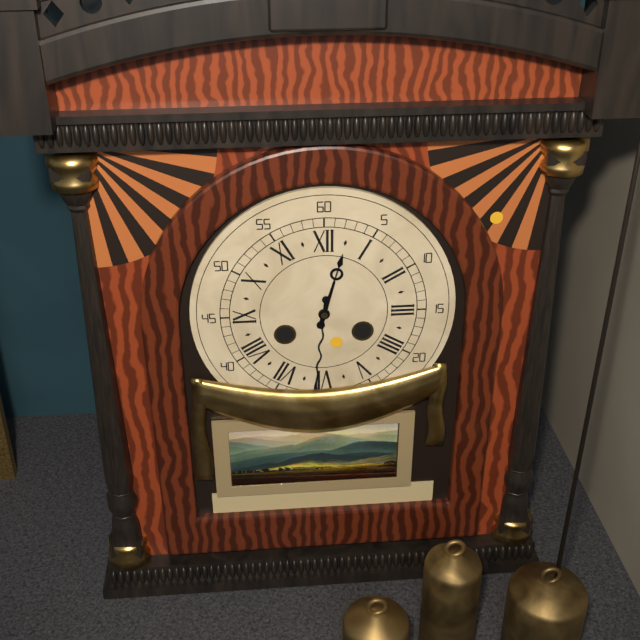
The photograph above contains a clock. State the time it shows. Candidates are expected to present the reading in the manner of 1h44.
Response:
12h31
